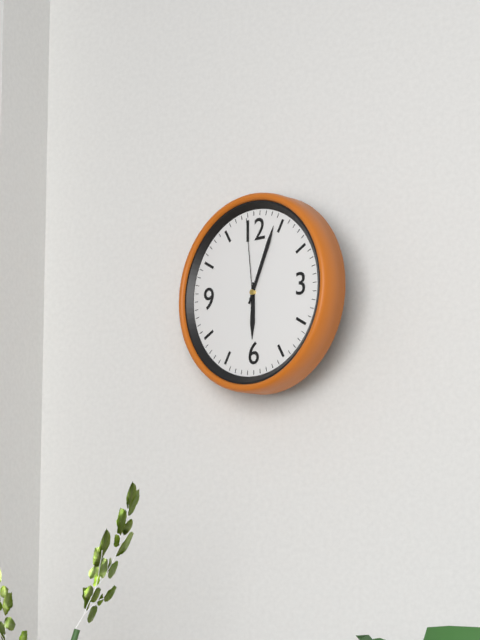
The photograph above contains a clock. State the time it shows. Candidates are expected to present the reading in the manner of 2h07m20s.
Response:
6h04m59s
